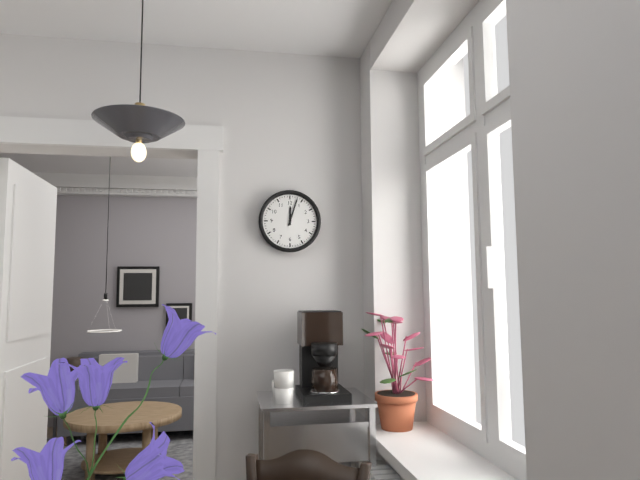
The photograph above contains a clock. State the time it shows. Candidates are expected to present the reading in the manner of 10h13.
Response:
12h03
